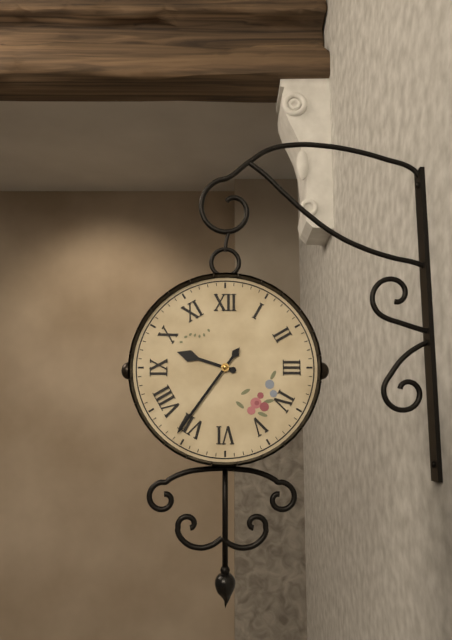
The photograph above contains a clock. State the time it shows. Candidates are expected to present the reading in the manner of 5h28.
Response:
9h36
